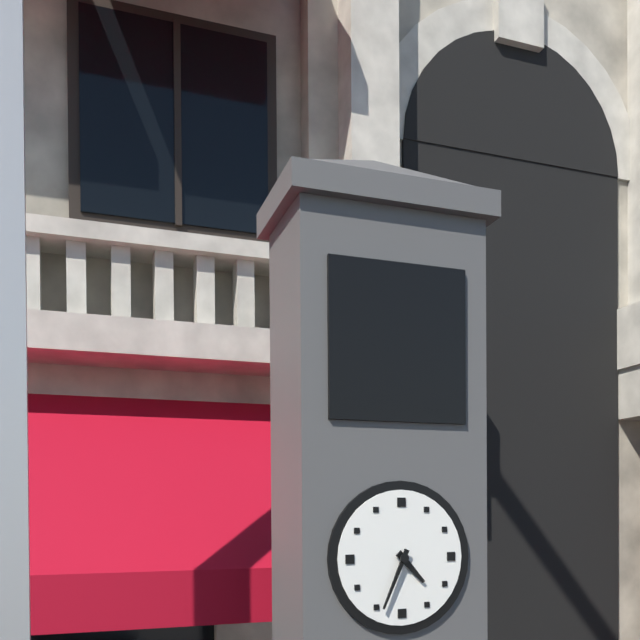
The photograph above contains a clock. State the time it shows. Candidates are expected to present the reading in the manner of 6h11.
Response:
4h34
